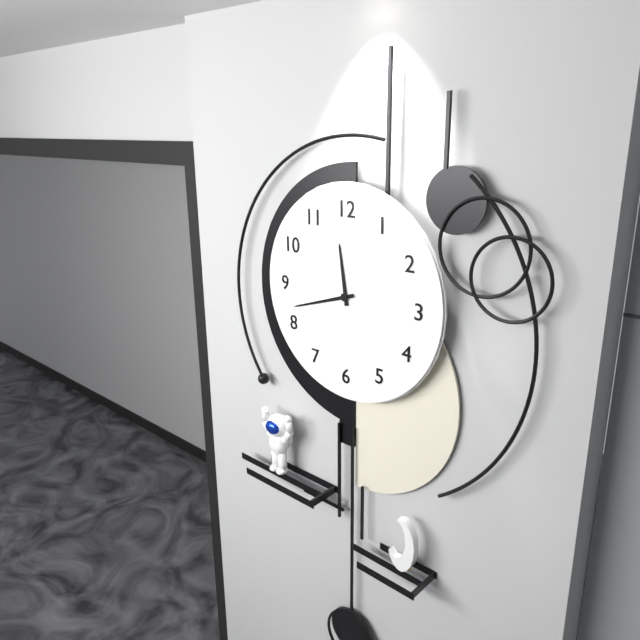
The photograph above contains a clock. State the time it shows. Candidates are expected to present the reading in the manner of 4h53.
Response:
11h42
